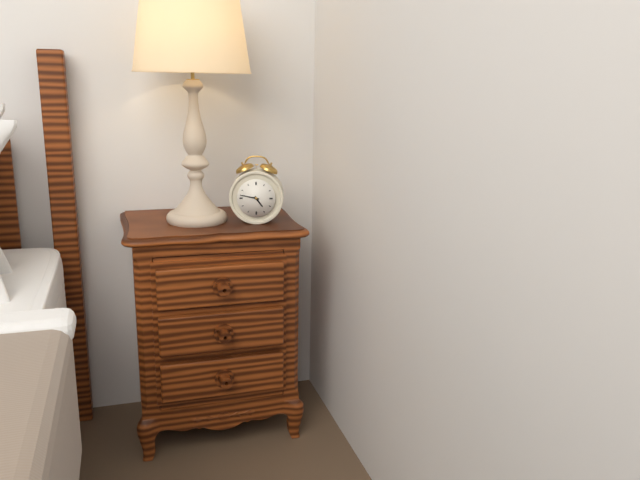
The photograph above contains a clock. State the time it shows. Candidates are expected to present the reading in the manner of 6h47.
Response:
4h47
